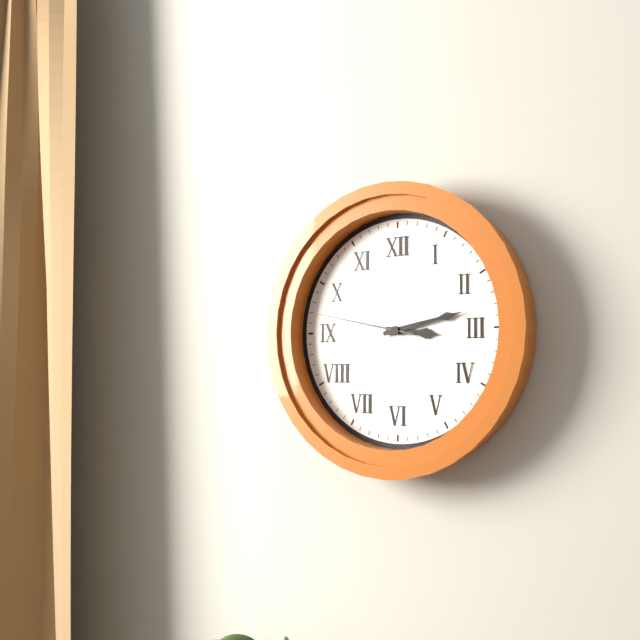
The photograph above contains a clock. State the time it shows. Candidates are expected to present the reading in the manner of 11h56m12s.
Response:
3h13m47s
